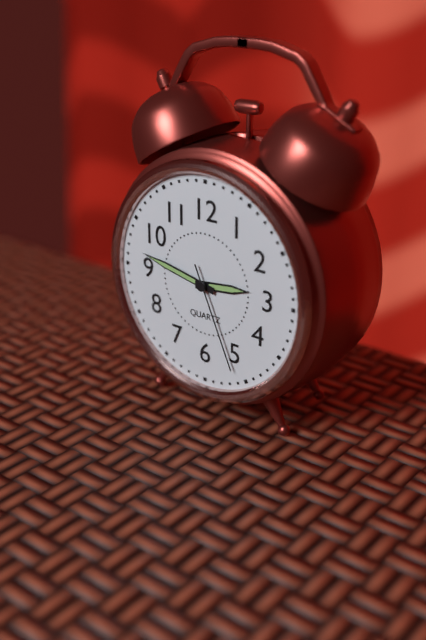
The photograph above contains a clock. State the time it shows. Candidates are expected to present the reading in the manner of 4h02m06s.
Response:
2h47m26s
